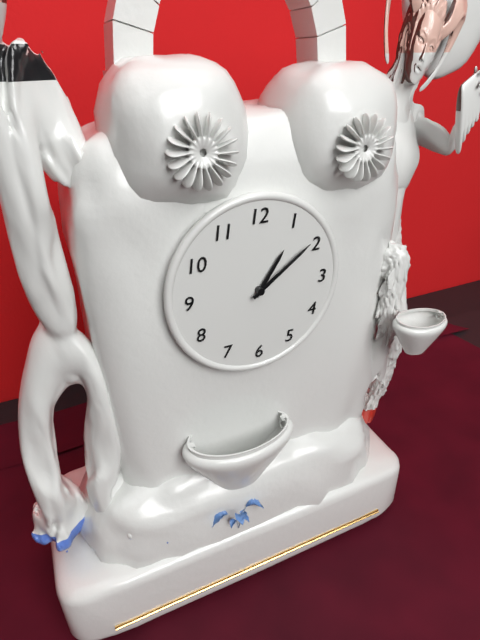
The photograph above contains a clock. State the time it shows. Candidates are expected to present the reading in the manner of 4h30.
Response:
1h09
